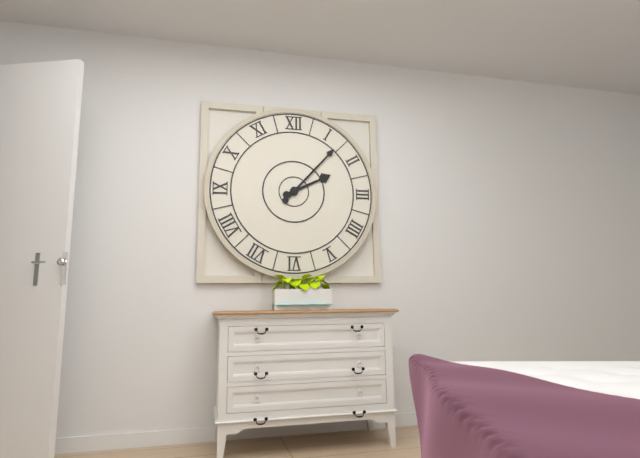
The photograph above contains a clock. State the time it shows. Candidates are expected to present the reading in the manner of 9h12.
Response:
2h07
